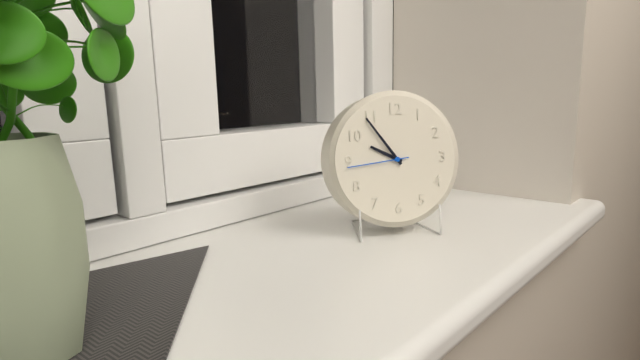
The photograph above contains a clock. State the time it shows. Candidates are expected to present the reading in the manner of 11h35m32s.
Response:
9h54m44s
